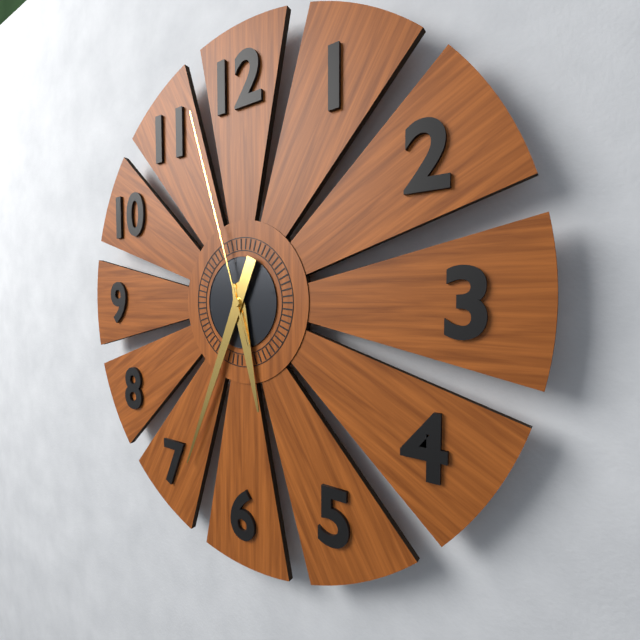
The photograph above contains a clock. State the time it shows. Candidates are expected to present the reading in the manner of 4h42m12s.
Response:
5h34m57s
